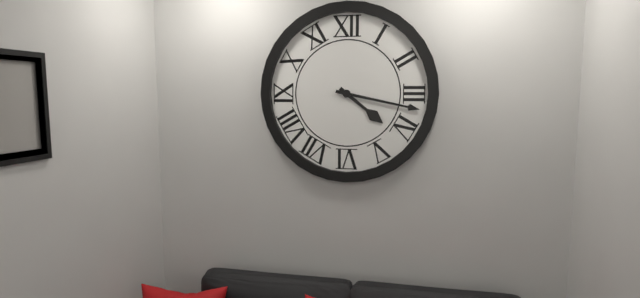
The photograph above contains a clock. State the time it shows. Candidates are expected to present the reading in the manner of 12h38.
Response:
4h17
